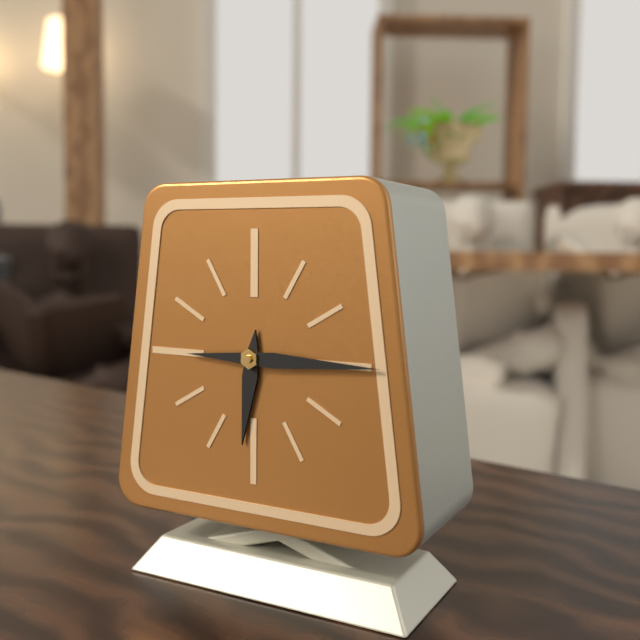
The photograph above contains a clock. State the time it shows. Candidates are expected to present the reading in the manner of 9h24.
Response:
6h15
